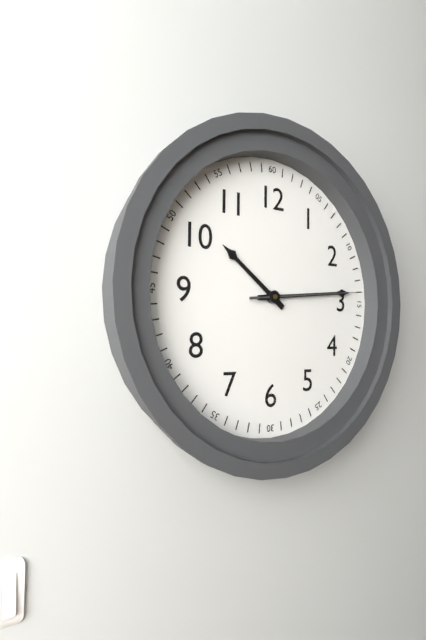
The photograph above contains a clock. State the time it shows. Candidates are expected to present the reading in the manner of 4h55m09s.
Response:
10h14m14s
